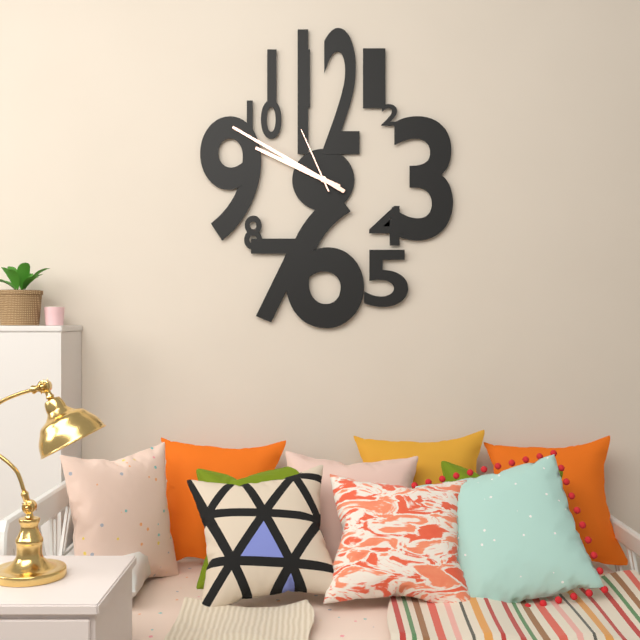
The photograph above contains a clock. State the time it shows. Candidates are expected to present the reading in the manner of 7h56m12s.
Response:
9h50m56s
